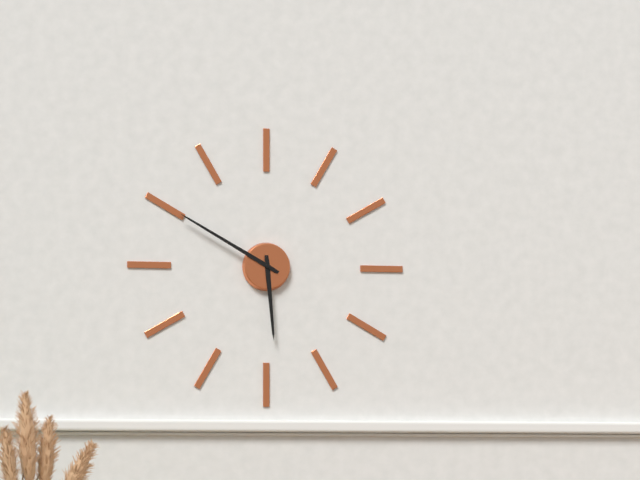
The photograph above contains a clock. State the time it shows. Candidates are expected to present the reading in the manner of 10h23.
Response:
5h50
